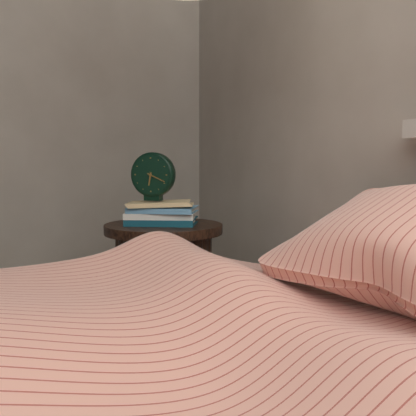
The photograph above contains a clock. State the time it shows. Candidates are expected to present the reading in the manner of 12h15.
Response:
6h19
